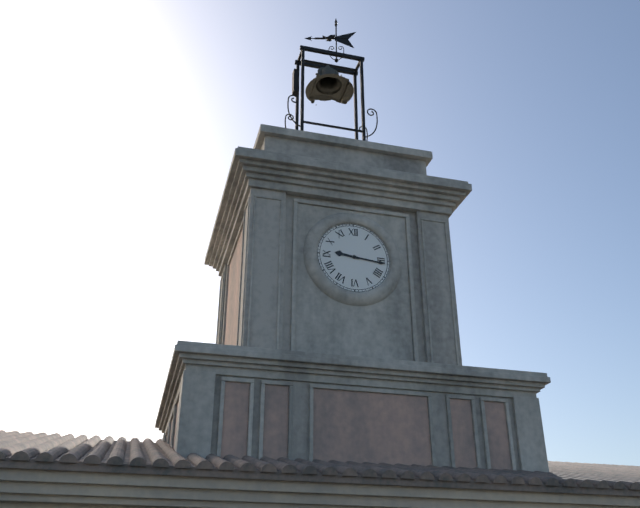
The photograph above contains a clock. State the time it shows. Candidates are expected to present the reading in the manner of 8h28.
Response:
9h16
